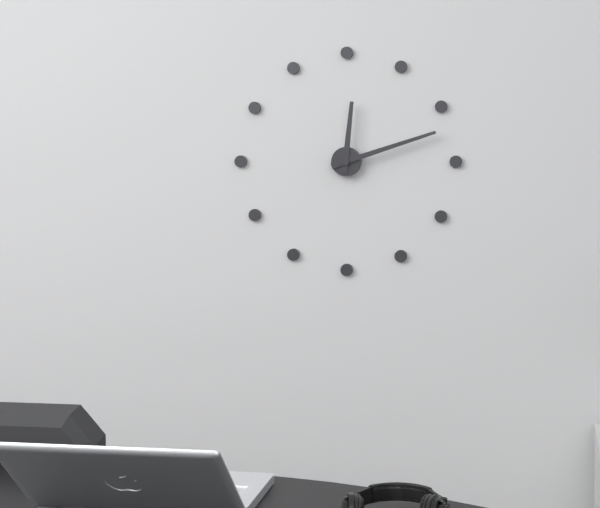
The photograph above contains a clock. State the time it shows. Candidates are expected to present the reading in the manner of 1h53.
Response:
12h12
